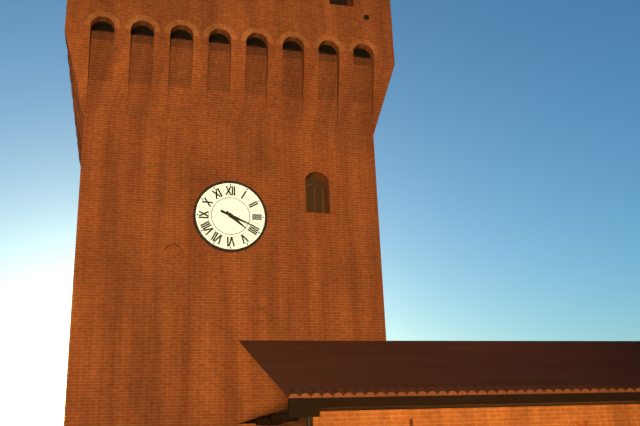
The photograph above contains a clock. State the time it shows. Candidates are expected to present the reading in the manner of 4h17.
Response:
4h19
